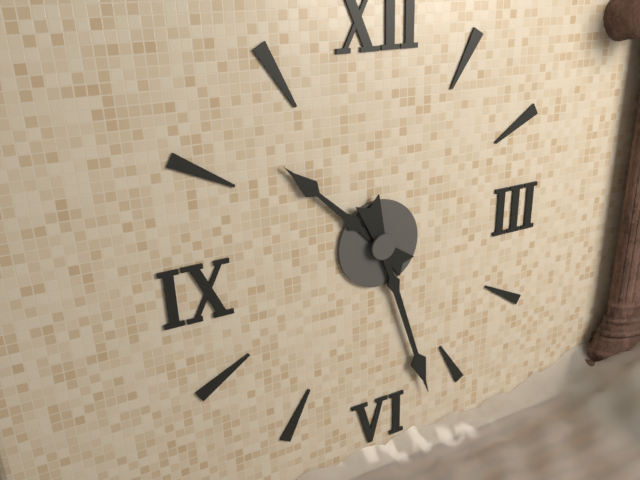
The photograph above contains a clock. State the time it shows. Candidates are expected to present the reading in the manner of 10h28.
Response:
10h27
